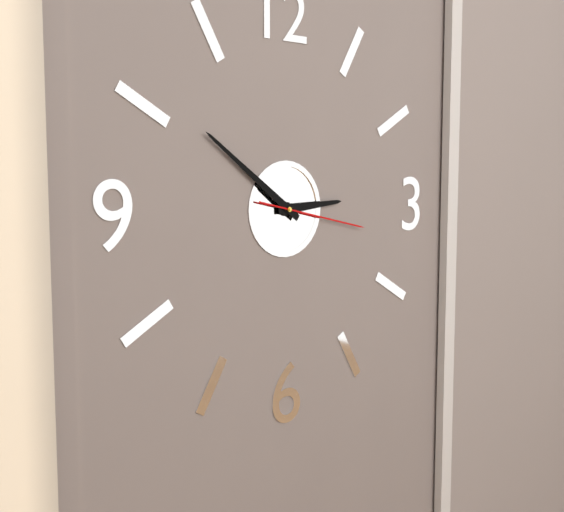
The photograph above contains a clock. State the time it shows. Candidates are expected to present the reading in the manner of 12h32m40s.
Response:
2h51m17s
